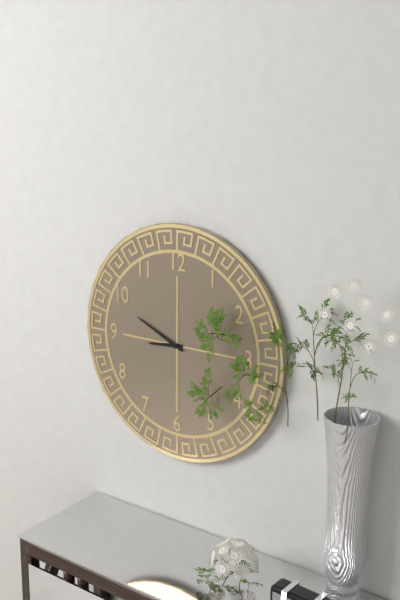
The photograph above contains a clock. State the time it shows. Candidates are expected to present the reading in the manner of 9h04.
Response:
8h49
